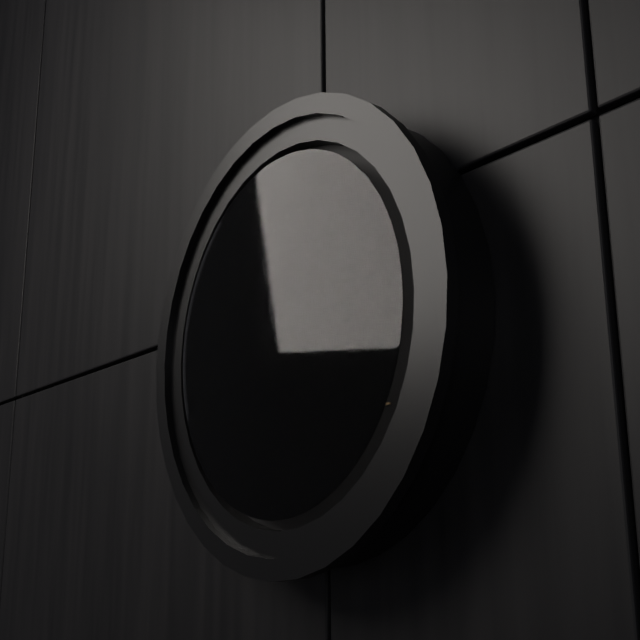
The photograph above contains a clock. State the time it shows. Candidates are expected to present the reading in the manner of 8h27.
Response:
10h01
